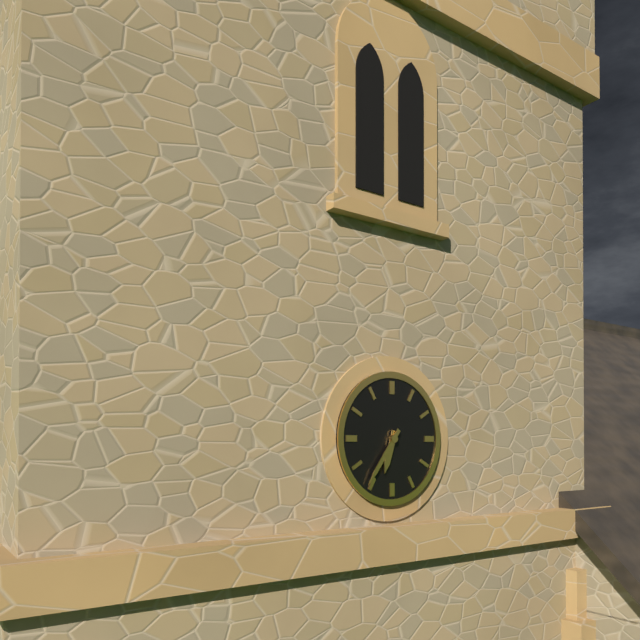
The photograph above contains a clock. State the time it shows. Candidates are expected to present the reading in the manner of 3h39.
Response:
6h36
